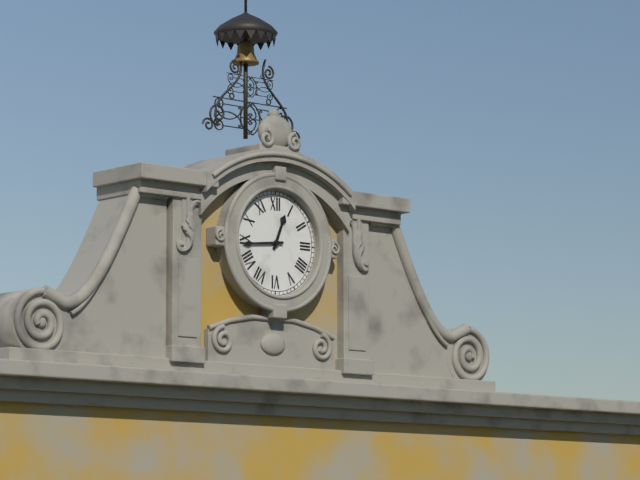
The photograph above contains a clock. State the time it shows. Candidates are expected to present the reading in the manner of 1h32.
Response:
12h44
